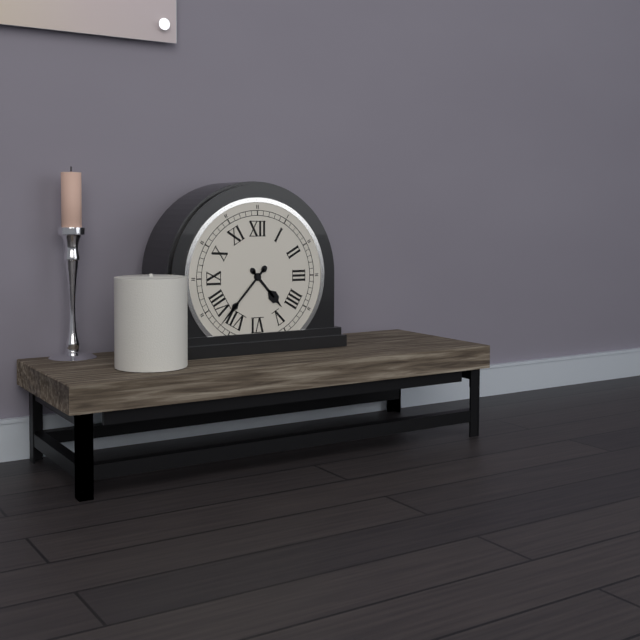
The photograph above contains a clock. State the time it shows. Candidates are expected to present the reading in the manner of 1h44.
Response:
4h37
